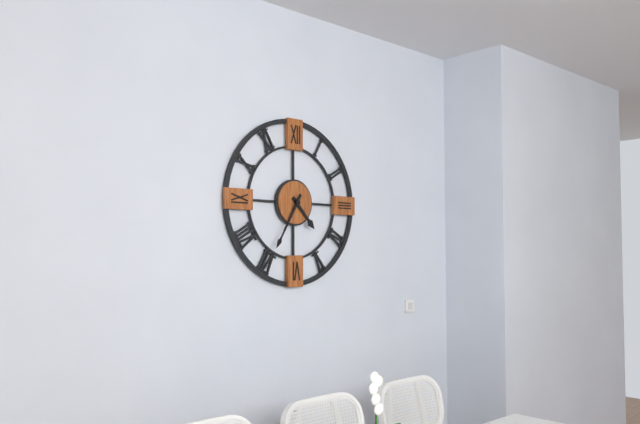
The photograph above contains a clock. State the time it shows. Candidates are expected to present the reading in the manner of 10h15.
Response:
4h35
